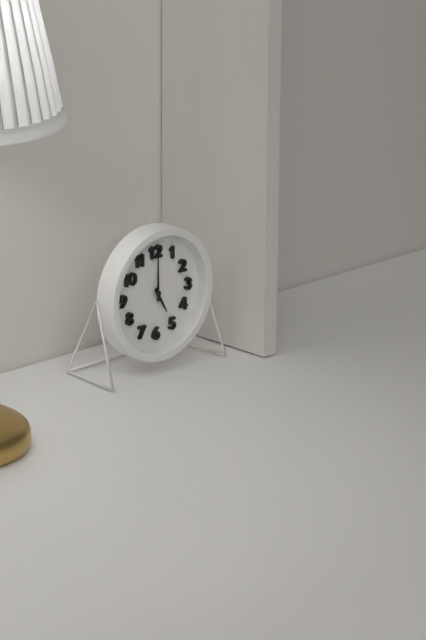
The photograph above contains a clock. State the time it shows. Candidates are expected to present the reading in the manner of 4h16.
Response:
5h00
